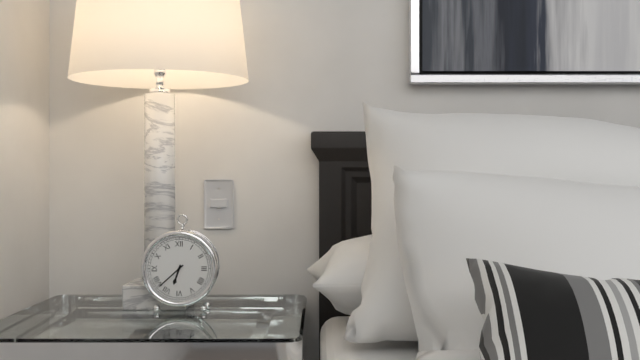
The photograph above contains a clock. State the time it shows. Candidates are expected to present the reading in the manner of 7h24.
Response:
6h38
